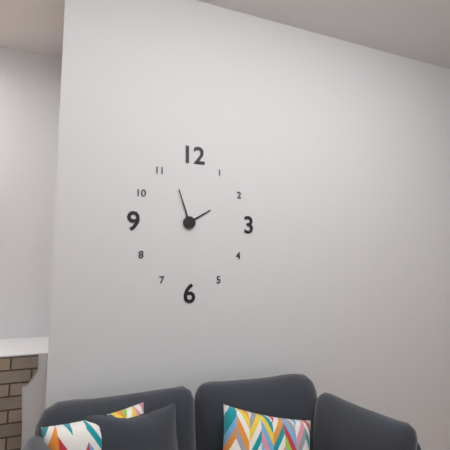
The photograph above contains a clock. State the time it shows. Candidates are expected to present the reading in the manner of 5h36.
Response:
1h57
